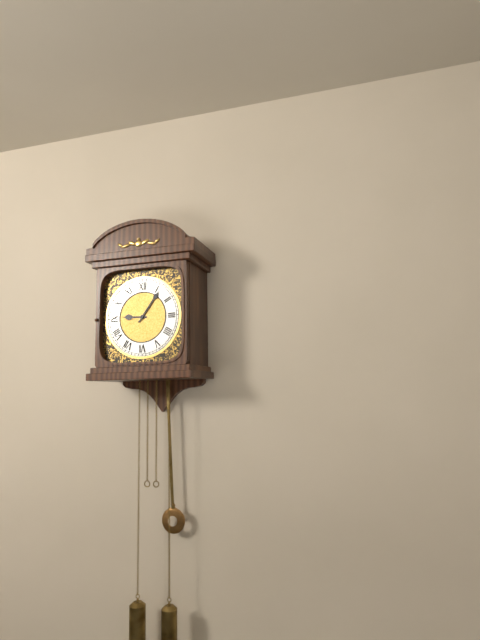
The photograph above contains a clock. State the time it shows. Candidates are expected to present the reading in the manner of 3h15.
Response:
9h06
